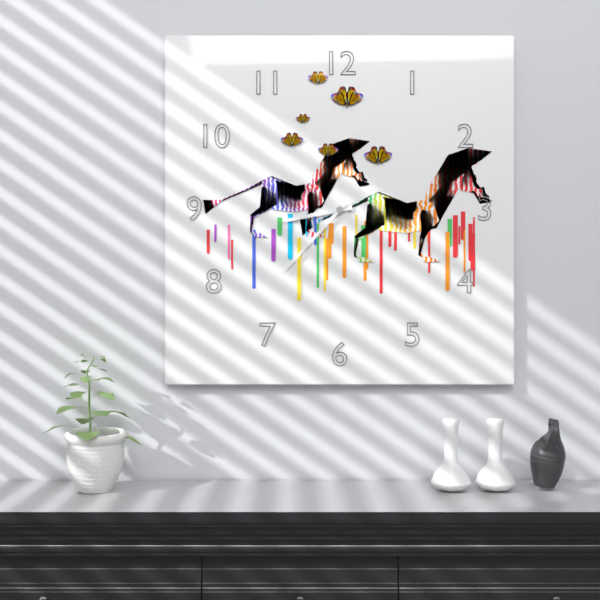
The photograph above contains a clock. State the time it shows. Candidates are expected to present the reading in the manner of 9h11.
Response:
8h37
